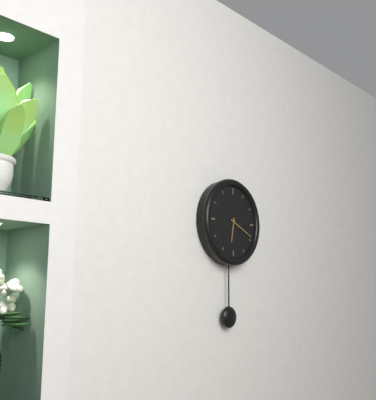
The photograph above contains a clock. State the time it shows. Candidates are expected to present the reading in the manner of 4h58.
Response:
6h19
